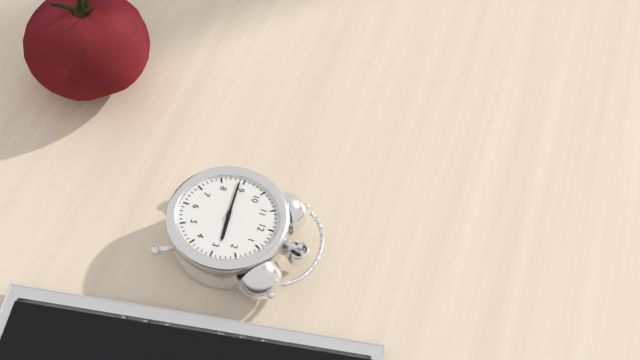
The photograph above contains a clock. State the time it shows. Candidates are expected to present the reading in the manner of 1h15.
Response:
2h44
